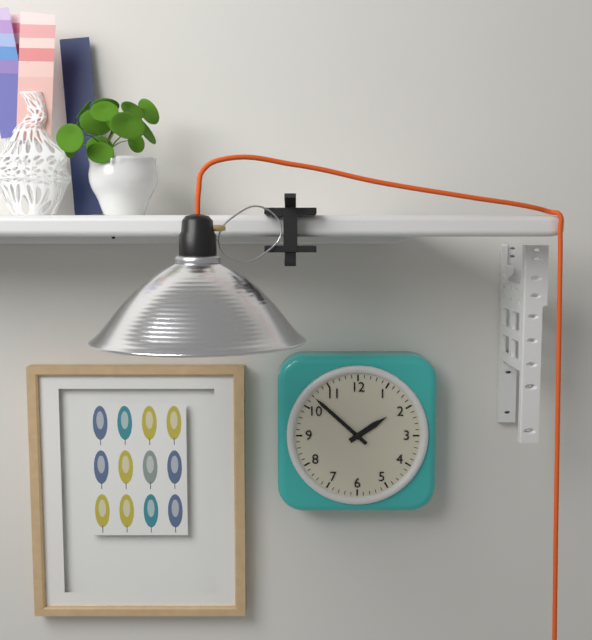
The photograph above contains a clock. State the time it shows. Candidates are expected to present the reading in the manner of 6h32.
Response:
1h52
